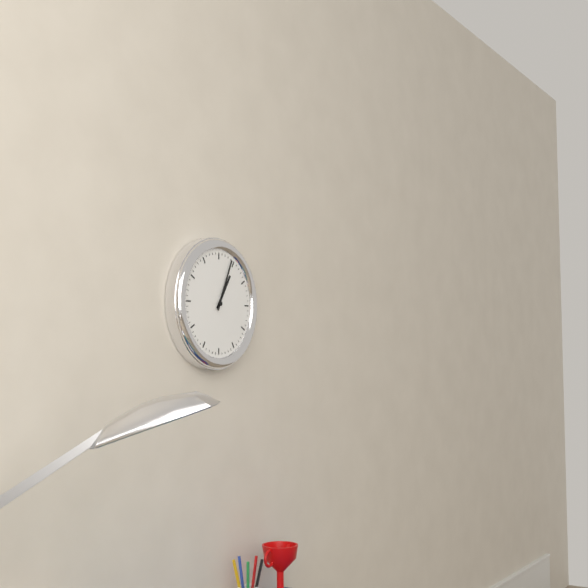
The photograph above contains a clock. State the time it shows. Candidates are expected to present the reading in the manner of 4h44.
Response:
1h04
